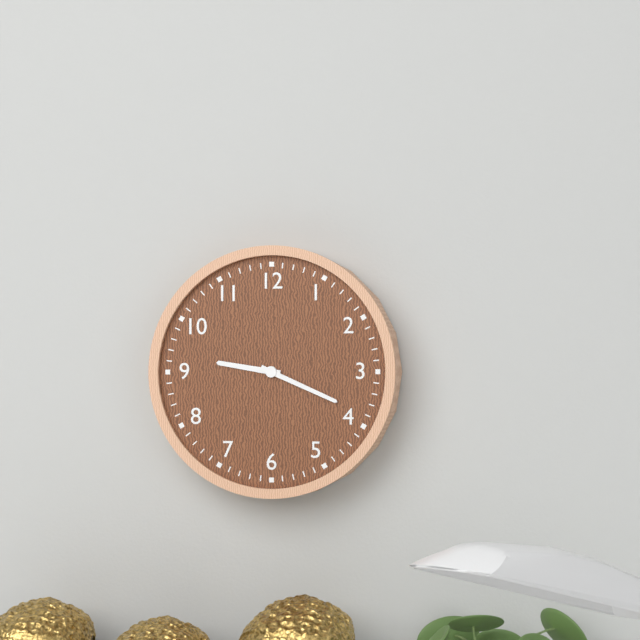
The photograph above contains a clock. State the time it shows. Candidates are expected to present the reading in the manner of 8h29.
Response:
9h19
